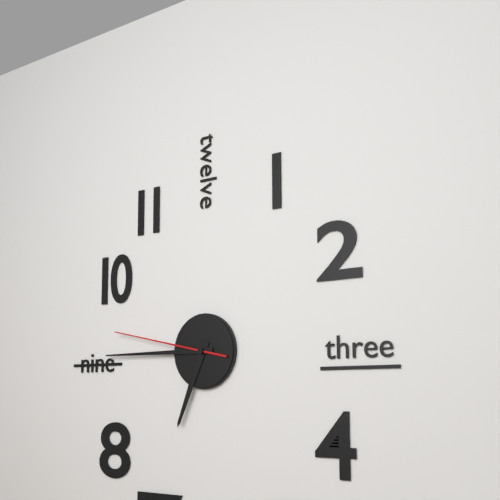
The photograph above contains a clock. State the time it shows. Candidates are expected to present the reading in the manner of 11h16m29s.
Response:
6h45m47s
